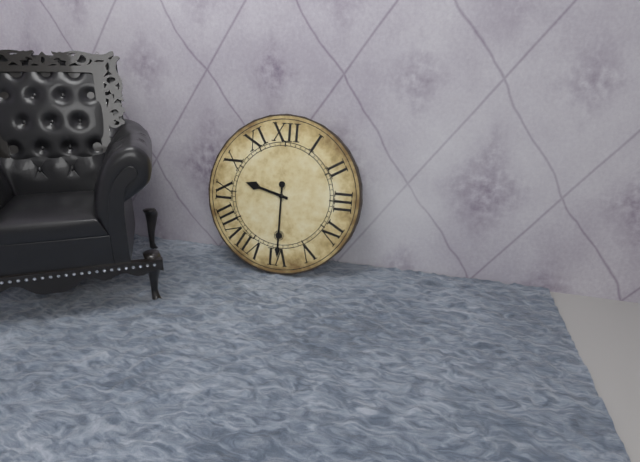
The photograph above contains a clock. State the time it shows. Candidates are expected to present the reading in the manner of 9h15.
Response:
9h30
